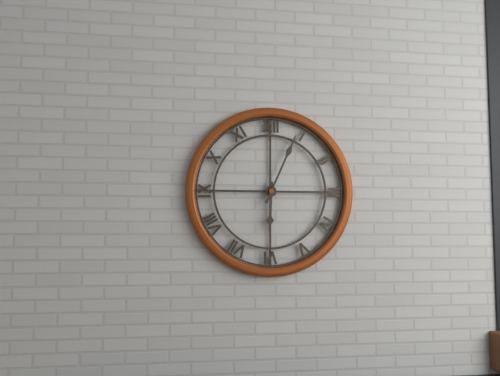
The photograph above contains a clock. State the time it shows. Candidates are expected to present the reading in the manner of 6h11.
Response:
6h04
